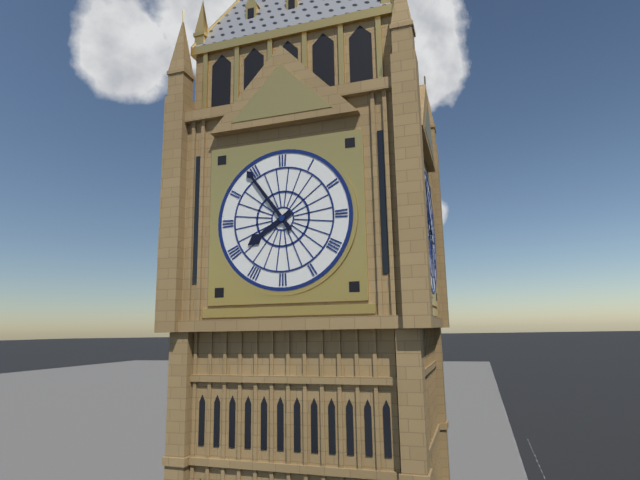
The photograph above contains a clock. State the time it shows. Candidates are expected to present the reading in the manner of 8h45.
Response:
7h54
